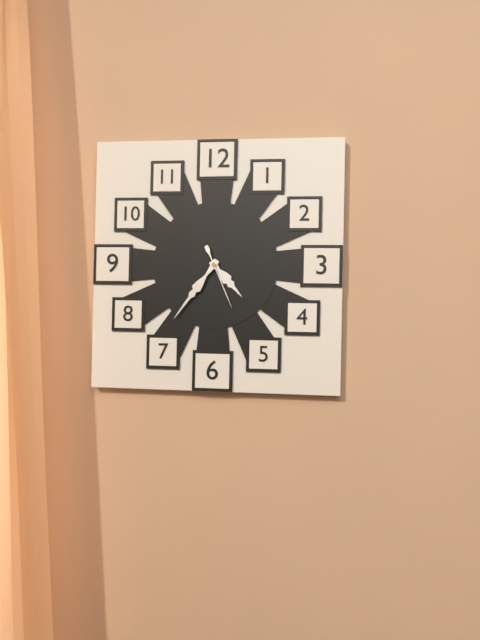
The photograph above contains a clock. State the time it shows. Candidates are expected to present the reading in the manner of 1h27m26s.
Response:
4h36m26s
